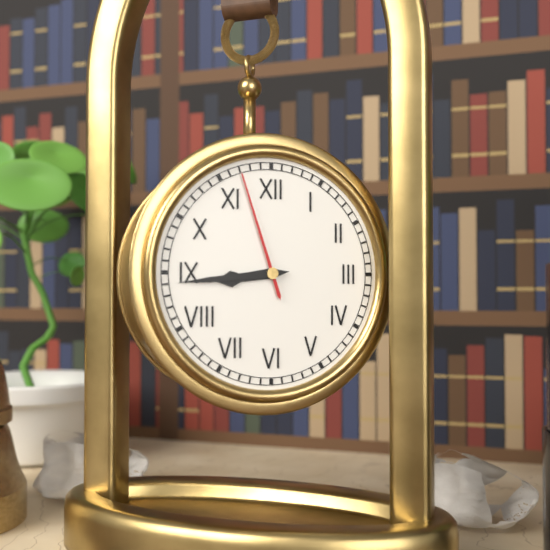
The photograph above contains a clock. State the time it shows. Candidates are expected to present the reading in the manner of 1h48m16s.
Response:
8h44m57s
